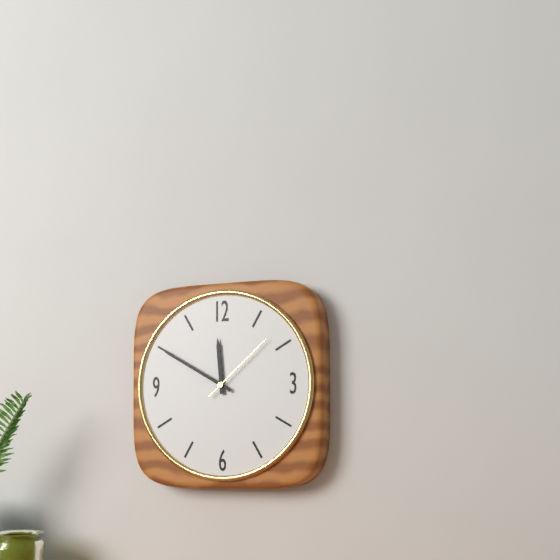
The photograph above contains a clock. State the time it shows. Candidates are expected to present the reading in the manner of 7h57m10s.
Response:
11h50m08s
